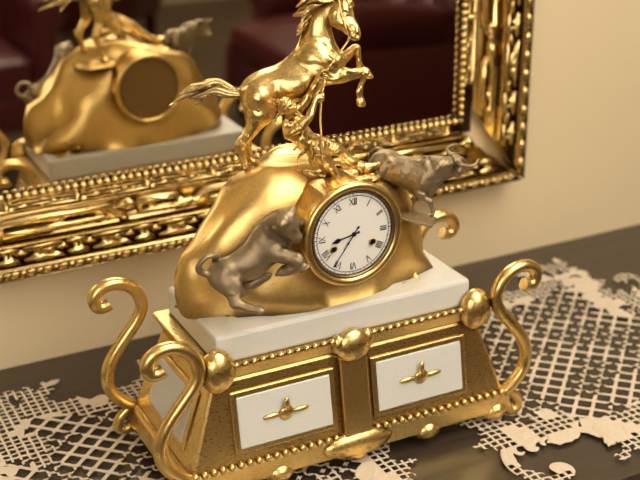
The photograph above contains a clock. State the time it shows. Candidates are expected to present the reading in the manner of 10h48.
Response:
8h36
